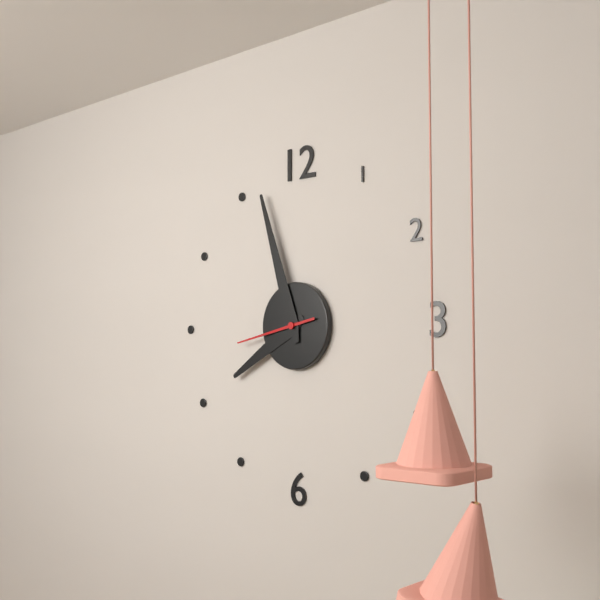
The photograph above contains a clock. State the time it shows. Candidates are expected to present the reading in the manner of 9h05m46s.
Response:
7h57m43s
